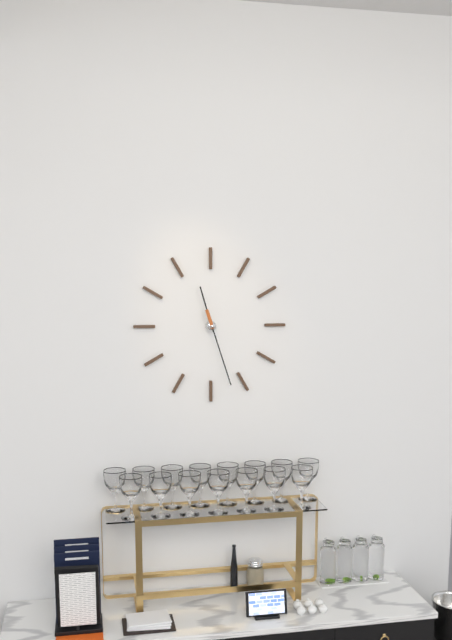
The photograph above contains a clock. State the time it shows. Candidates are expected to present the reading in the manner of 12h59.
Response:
11h27
